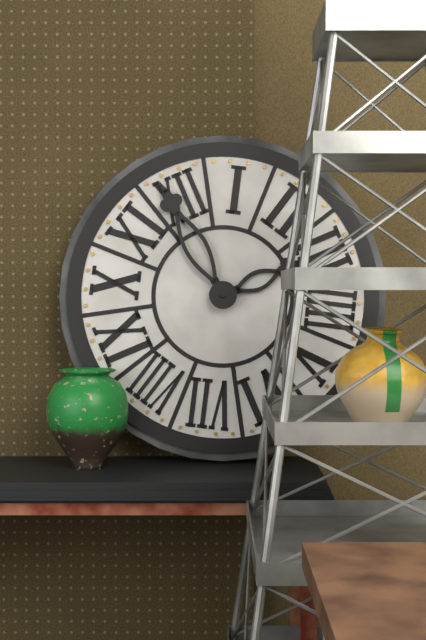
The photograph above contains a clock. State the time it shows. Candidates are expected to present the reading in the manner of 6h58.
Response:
2h59
